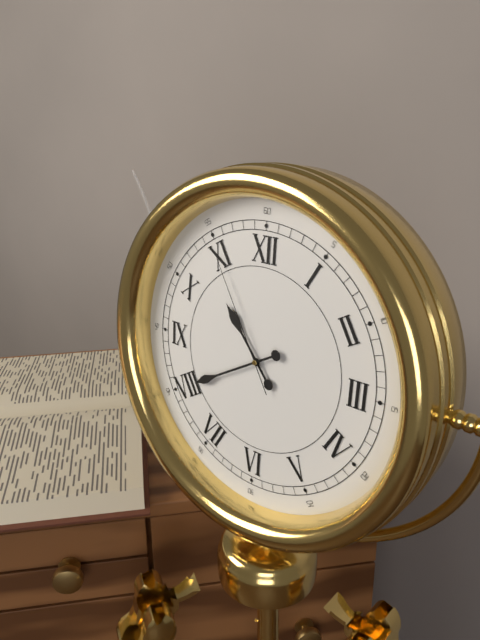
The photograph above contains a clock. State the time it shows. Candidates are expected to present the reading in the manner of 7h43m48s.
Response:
10h40m55s
